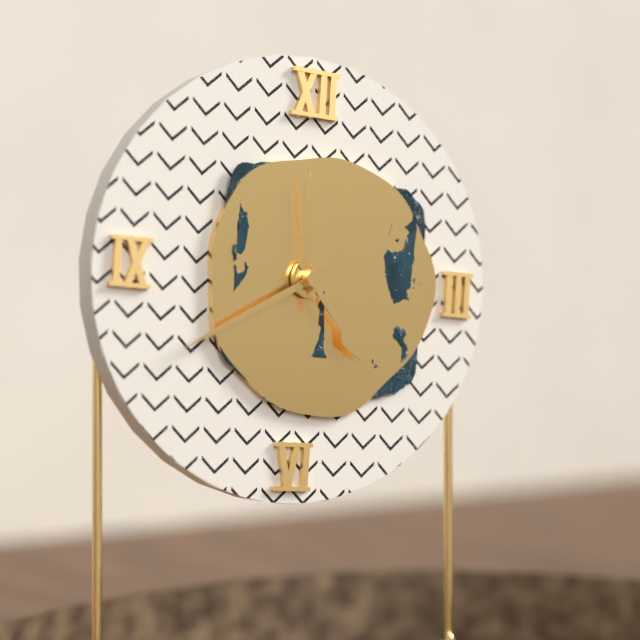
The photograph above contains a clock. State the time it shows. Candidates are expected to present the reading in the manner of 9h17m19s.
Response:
4h40m59s
